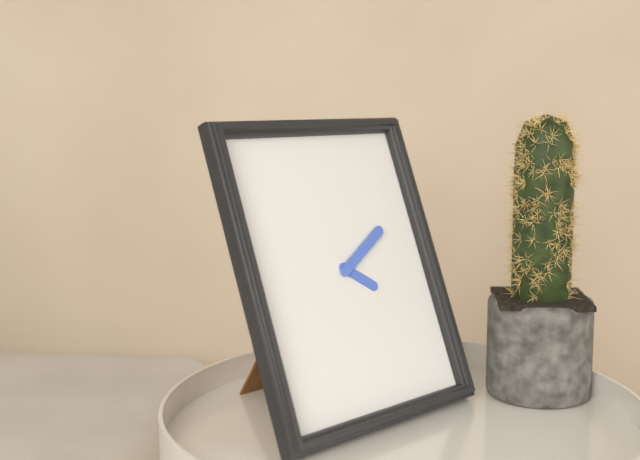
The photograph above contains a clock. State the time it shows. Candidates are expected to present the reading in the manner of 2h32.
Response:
4h10
